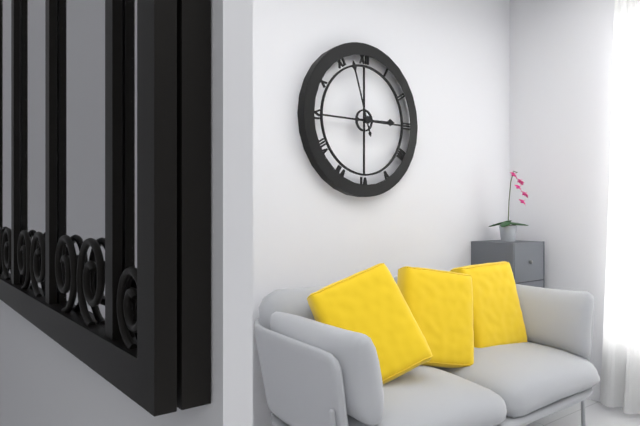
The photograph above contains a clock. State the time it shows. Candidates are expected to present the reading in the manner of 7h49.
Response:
2h57
